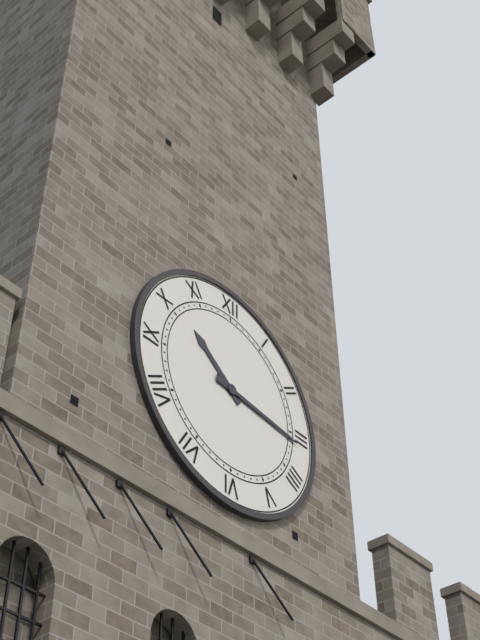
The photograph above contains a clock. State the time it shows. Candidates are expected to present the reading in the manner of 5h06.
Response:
10h16
